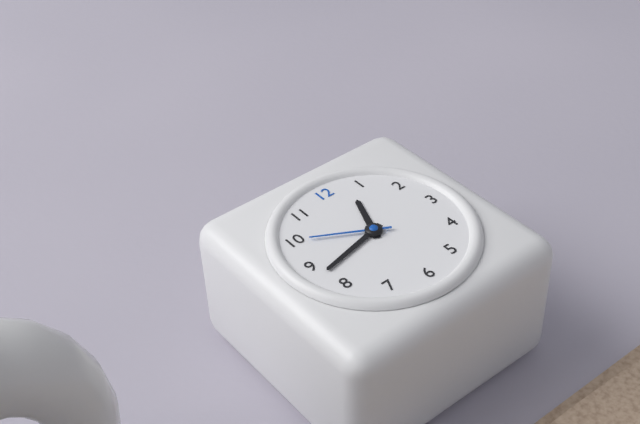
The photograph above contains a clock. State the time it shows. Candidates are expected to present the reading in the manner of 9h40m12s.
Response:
12h43m50s
